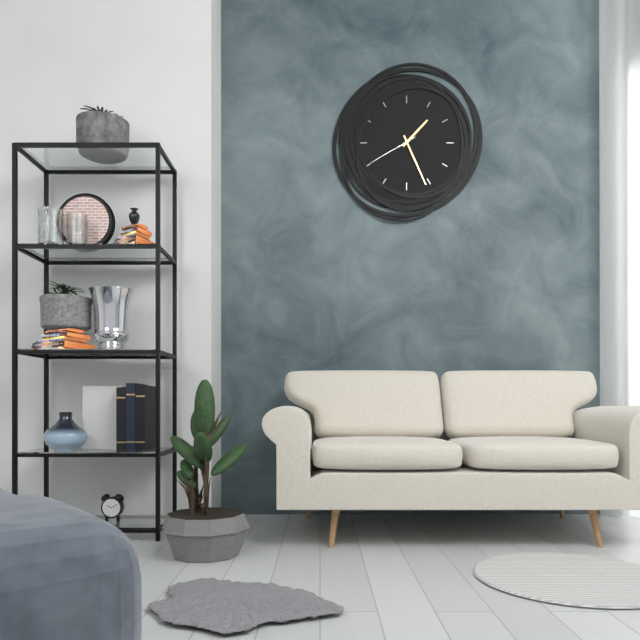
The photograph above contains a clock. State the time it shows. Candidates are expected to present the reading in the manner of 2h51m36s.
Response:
1h26m40s
